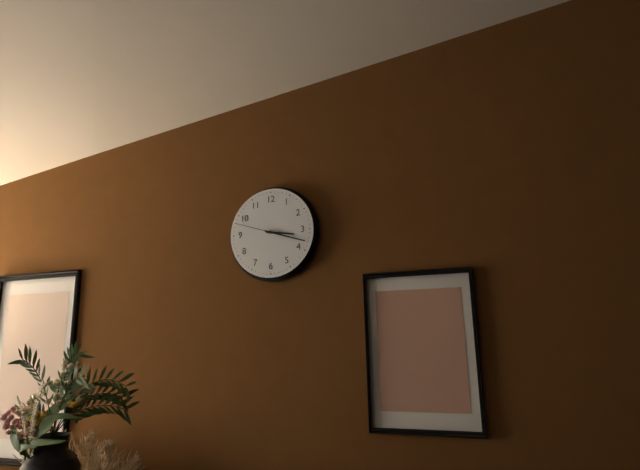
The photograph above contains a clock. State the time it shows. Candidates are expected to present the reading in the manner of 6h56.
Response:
3h18
